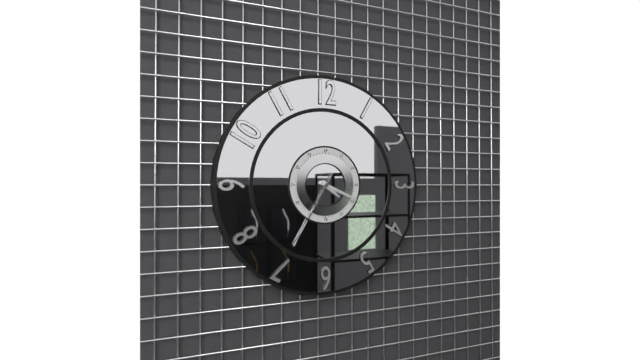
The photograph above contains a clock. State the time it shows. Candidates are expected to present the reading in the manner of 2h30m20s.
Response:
4h19m35s
